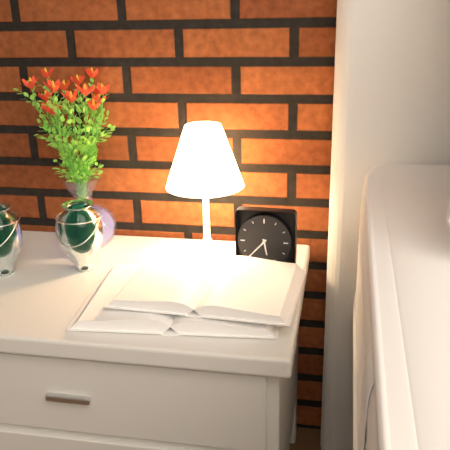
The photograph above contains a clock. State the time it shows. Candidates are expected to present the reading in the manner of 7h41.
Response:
5h37
